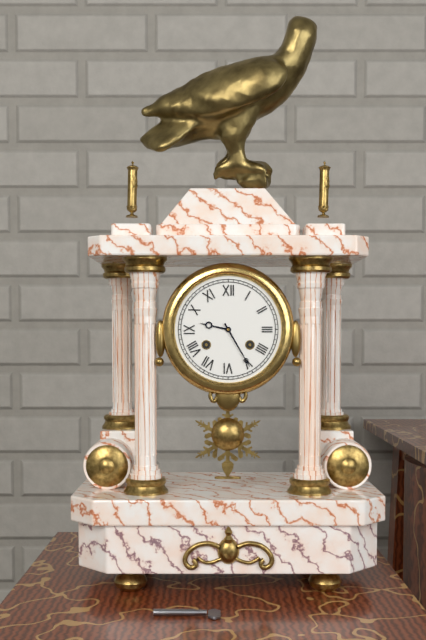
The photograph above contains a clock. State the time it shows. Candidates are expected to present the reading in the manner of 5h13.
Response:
9h25
